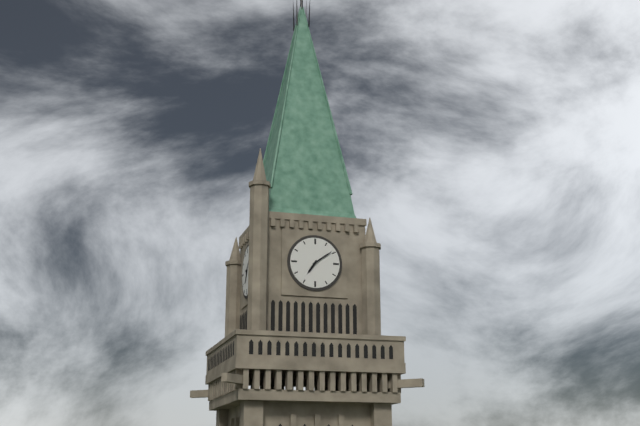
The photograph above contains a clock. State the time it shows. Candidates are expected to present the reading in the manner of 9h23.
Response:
7h09
